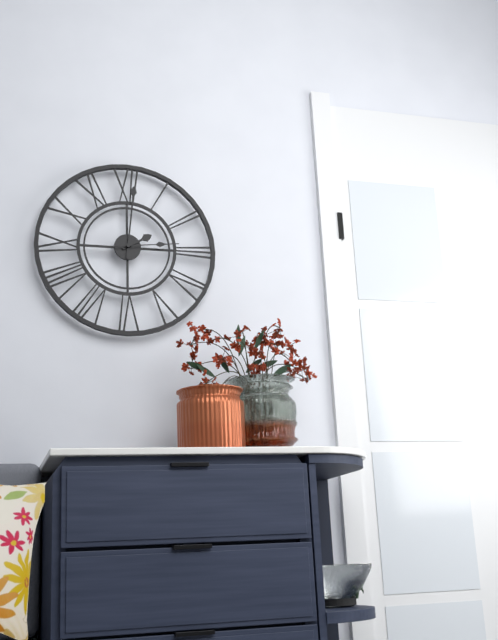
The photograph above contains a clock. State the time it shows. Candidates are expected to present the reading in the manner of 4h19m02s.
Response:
2h01m14s
